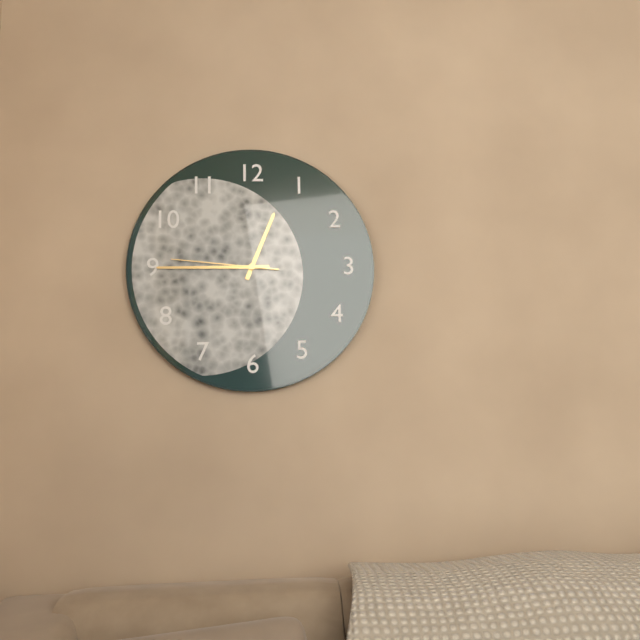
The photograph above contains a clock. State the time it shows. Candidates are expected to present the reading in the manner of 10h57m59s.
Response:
12h45m46s
